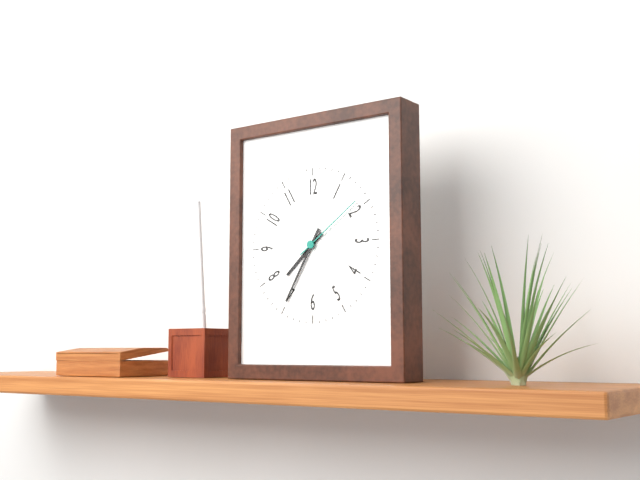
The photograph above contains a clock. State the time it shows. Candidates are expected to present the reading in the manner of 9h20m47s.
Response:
7h35m09s
